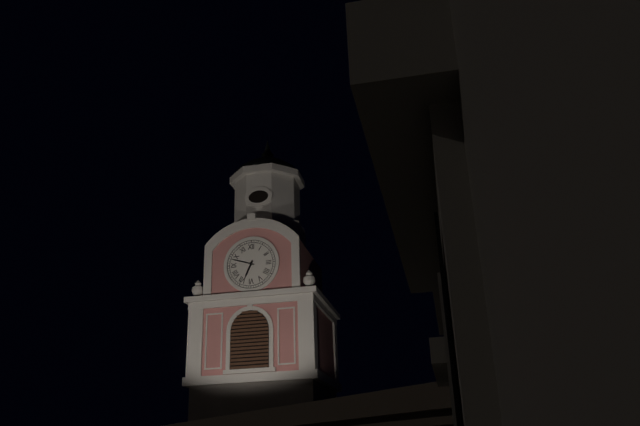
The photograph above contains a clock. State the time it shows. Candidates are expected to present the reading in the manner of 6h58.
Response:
6h48
